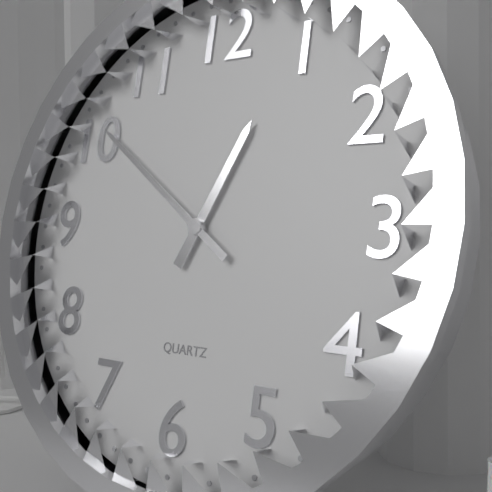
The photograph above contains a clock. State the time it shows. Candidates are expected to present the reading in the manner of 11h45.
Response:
12h51
